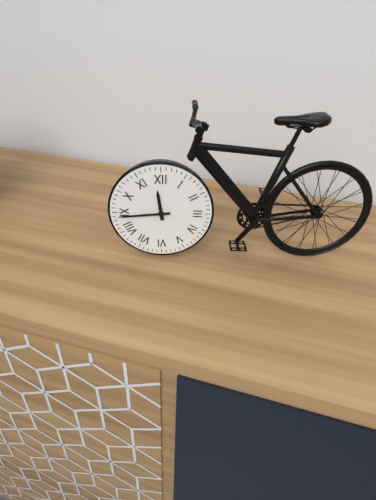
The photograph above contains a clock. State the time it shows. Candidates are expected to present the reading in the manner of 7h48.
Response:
11h44
